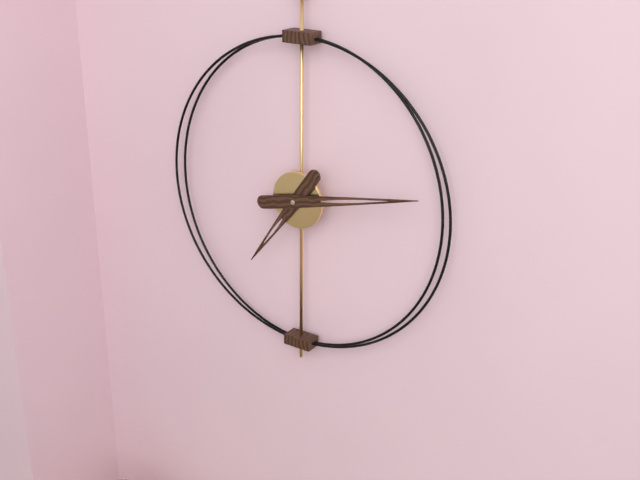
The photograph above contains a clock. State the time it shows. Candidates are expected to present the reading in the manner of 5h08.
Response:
7h13
